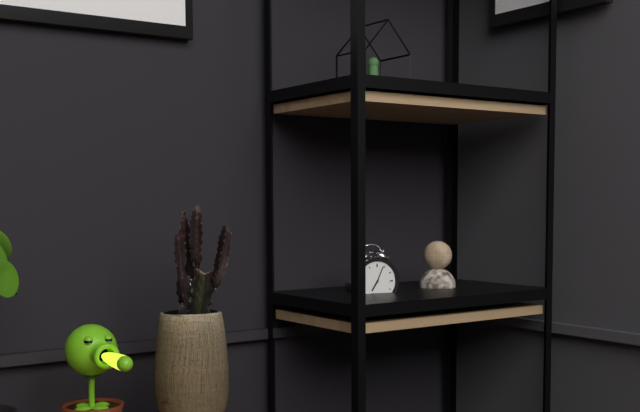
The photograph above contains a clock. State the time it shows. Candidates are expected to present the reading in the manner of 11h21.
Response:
7h04
